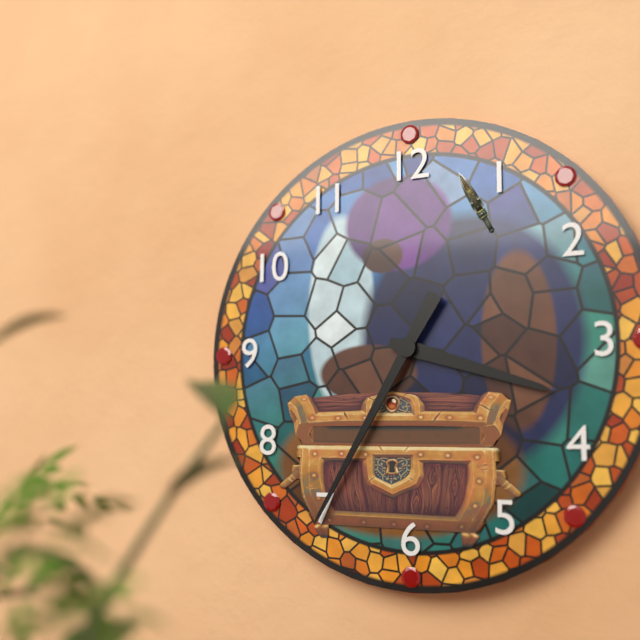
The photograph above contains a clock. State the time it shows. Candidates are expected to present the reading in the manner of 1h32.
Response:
3h35
